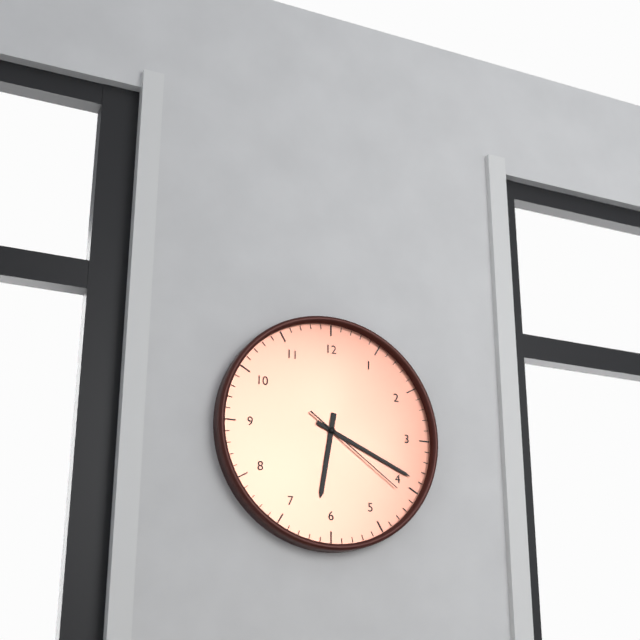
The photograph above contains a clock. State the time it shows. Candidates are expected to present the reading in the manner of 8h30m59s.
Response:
6h19m21s
